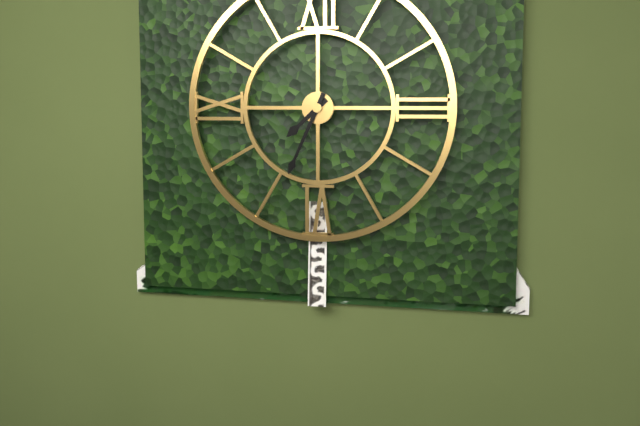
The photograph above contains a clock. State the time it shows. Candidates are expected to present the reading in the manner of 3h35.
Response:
7h34
